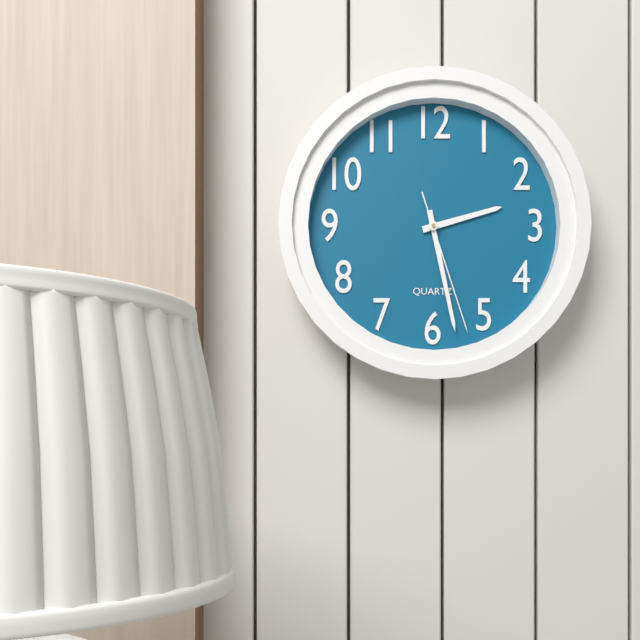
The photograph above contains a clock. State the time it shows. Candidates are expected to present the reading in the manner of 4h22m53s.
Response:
2h28m27s
